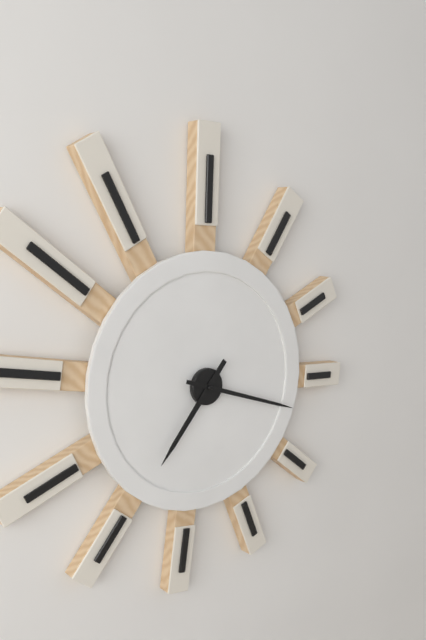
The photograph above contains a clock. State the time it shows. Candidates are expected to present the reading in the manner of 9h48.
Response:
7h18
